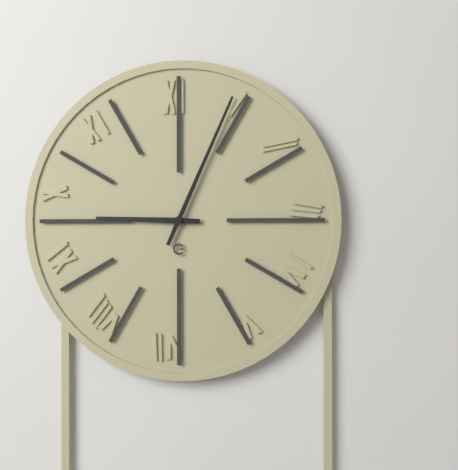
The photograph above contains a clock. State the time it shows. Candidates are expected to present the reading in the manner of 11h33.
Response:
9h04
